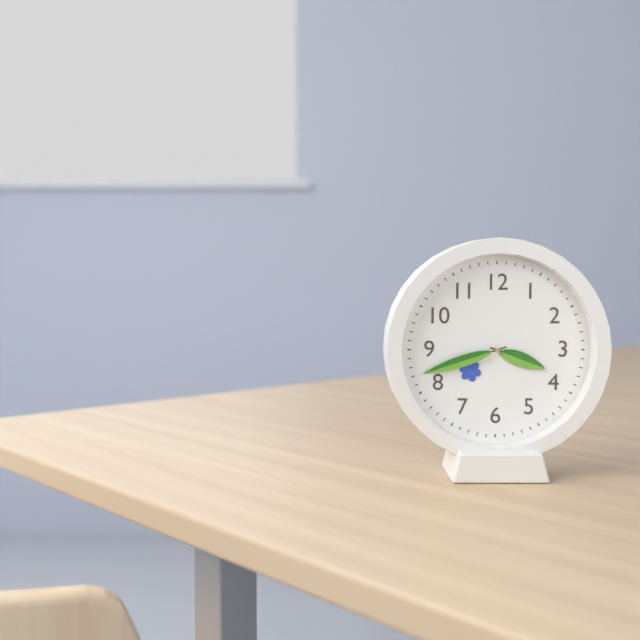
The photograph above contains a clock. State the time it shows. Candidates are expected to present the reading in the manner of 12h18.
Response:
3h42
